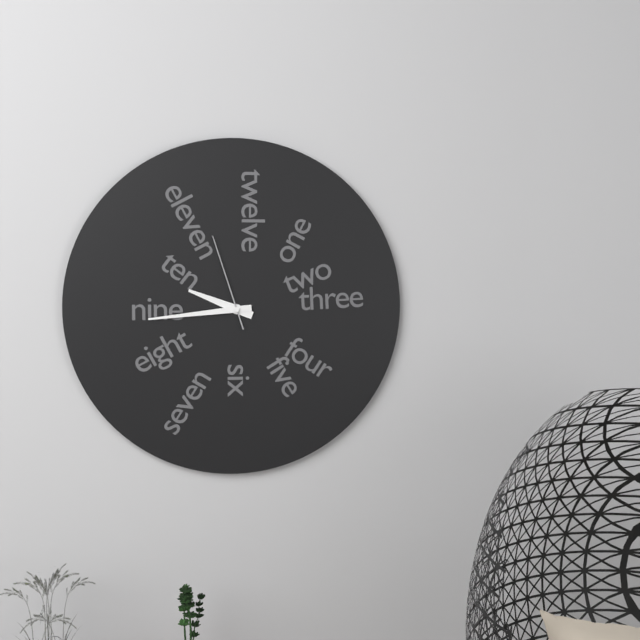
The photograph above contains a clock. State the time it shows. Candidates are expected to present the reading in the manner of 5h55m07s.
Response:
9h44m57s
